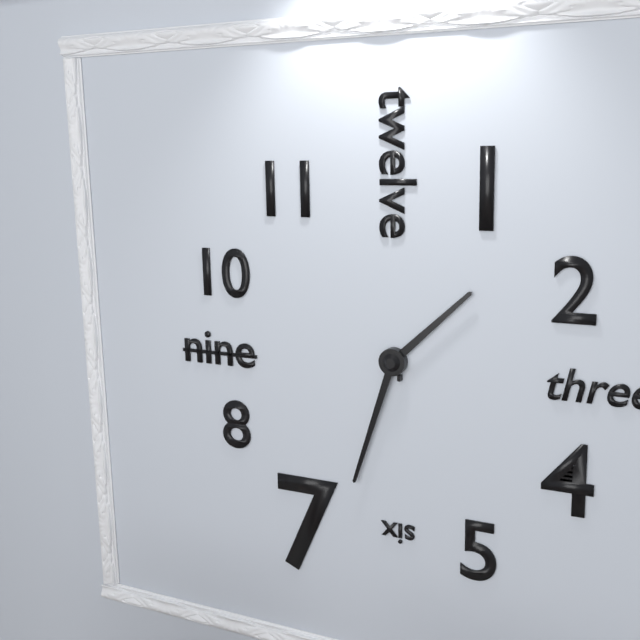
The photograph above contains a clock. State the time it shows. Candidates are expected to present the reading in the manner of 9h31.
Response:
1h33
